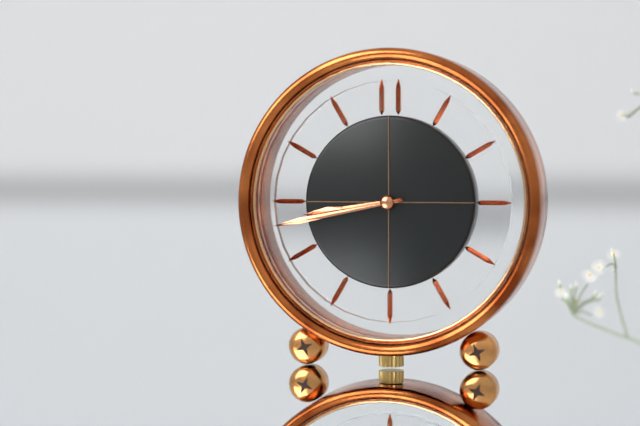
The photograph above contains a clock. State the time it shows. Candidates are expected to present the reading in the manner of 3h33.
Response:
8h43
